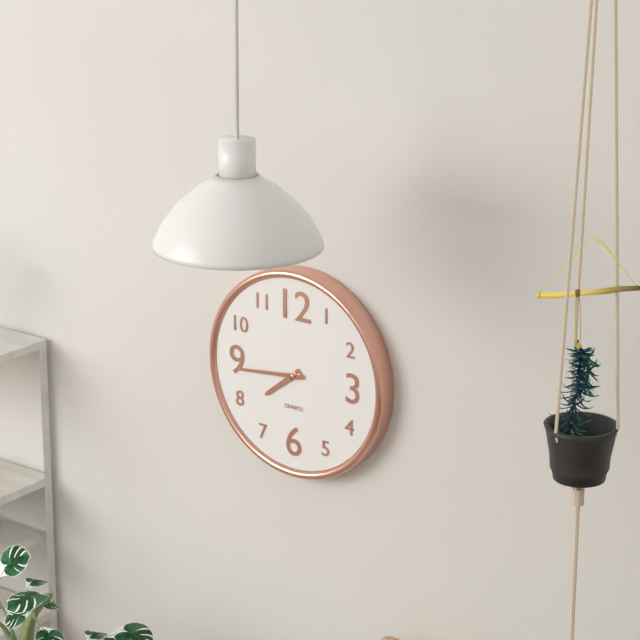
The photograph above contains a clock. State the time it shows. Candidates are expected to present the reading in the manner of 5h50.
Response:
7h44
